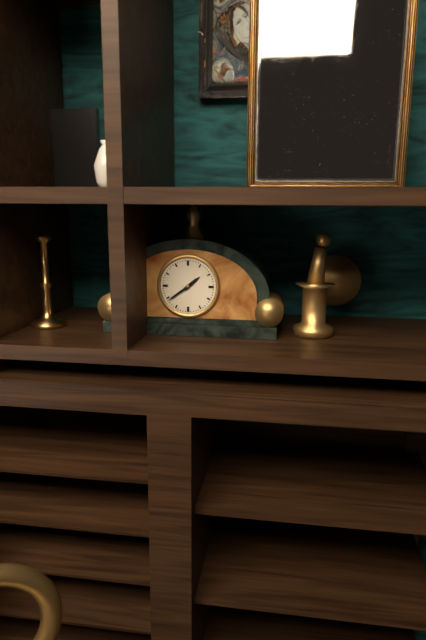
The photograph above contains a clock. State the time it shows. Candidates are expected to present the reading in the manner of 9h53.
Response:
1h39
